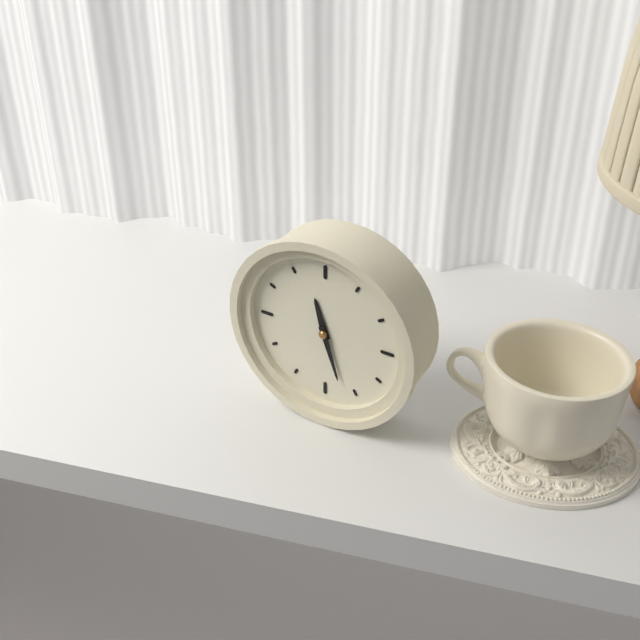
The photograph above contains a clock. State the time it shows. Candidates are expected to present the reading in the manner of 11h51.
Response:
11h27
